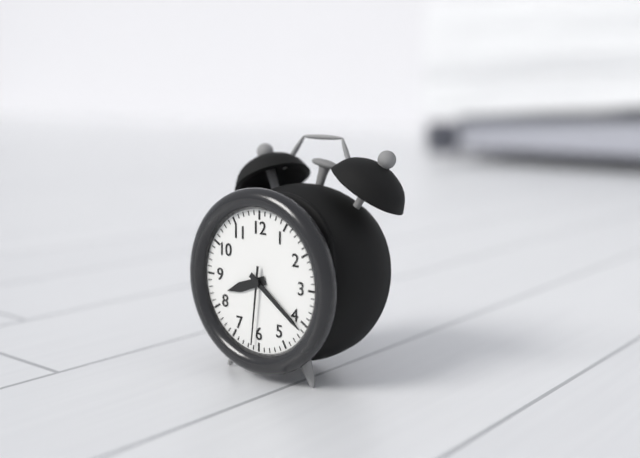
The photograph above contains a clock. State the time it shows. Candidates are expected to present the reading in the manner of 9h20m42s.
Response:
8h21m31s
